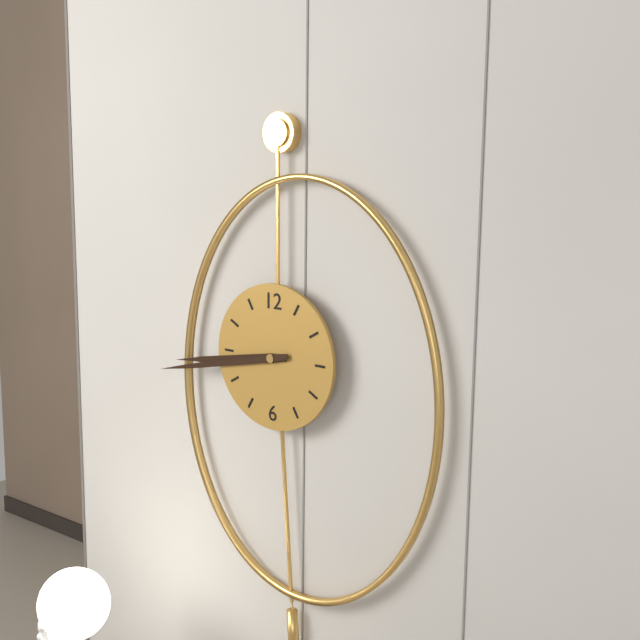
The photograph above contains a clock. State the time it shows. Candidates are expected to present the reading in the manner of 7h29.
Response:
8h43
